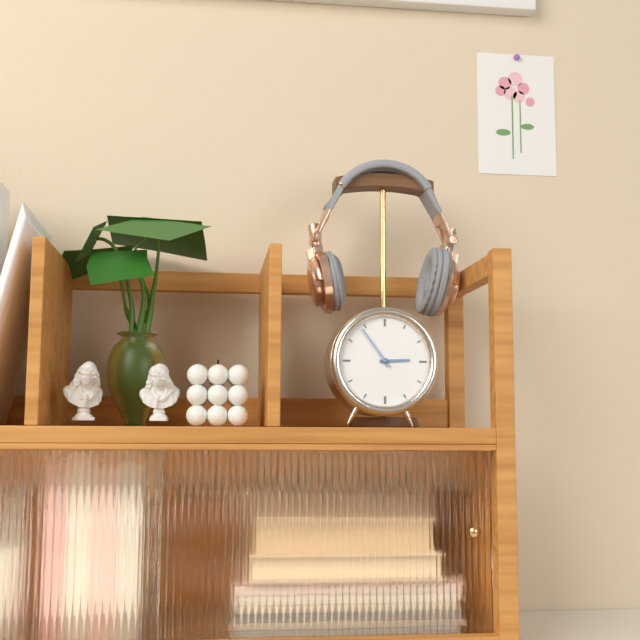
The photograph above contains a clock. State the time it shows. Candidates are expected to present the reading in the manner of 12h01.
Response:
2h54
